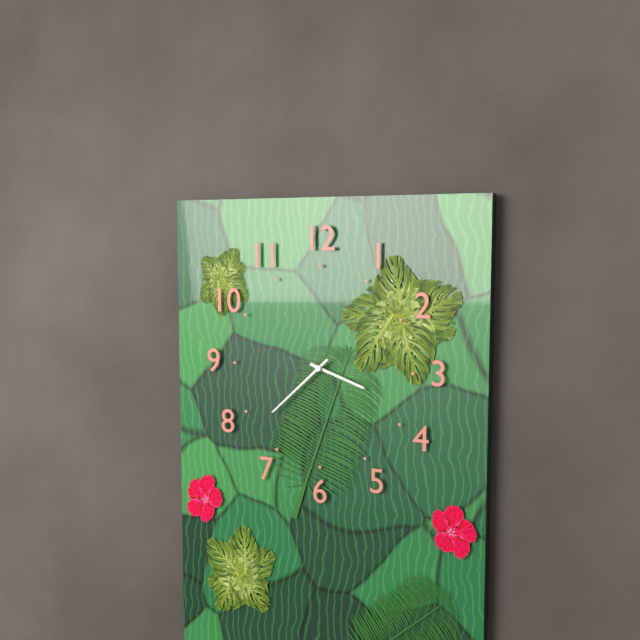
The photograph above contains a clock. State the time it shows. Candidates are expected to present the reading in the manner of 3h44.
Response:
3h38
